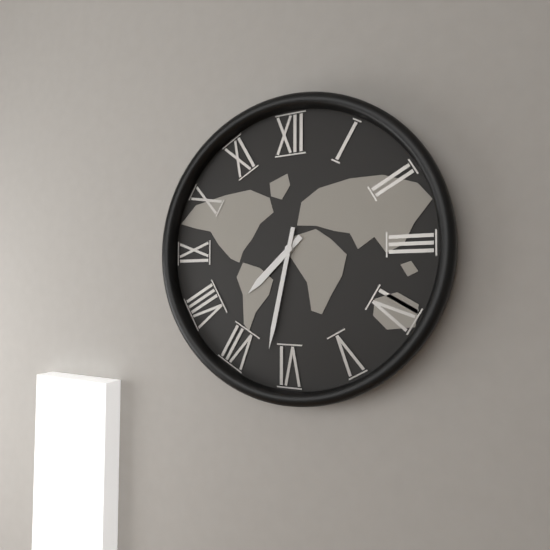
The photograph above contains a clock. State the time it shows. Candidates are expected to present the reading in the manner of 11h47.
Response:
7h32
